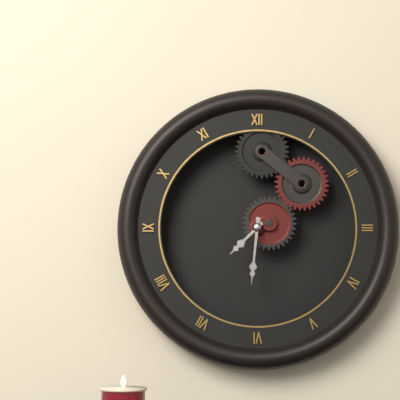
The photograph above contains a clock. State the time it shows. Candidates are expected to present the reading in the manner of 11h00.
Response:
7h31
